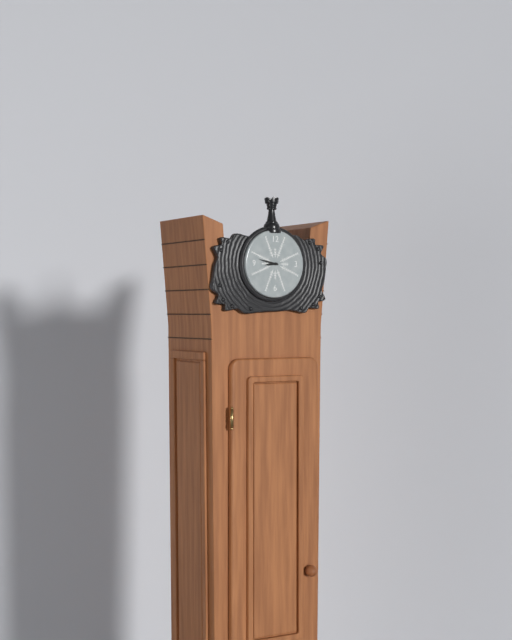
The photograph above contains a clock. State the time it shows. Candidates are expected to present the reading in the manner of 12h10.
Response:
8h47
